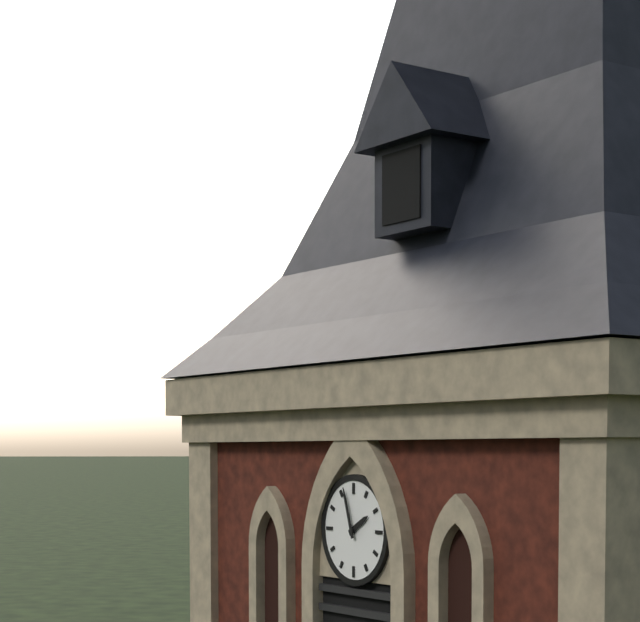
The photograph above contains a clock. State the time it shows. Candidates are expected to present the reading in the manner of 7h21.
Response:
1h57
